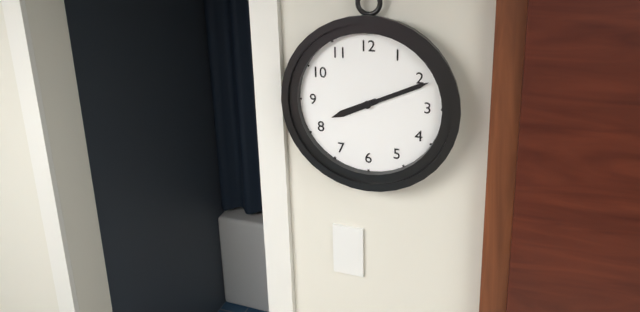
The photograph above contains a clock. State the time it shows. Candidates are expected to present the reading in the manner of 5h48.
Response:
8h11
